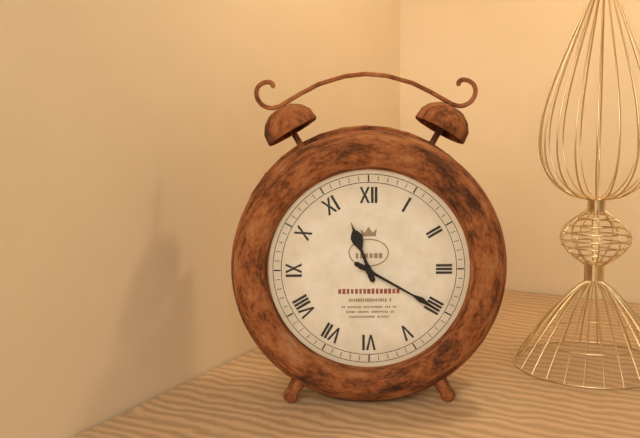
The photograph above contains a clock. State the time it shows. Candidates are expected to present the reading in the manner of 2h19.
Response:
11h20
